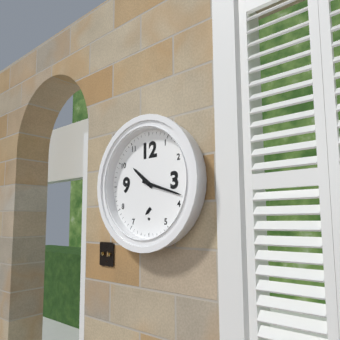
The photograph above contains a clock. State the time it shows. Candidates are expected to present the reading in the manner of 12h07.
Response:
10h18
